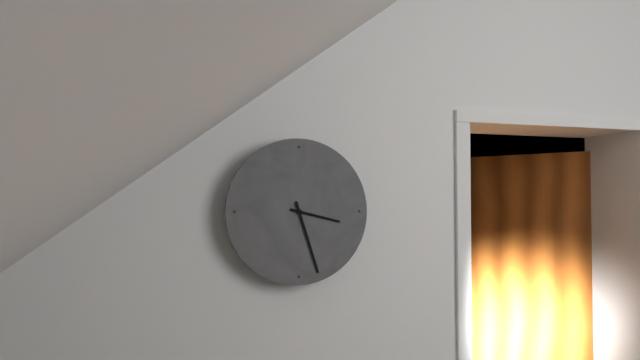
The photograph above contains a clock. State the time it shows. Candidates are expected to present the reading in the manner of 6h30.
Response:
3h27
